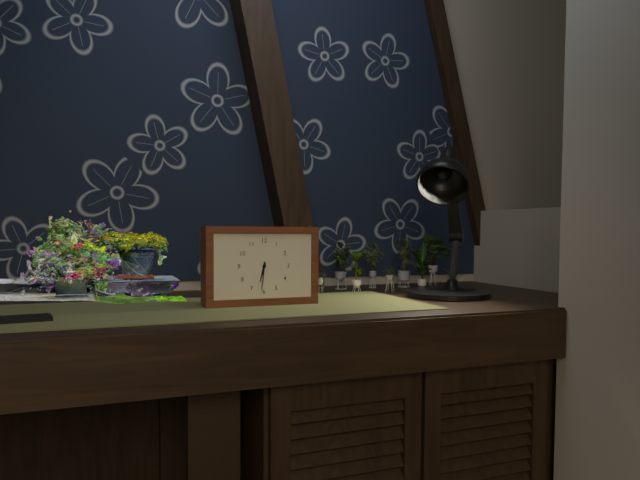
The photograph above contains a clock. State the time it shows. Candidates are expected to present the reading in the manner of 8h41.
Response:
6h31
